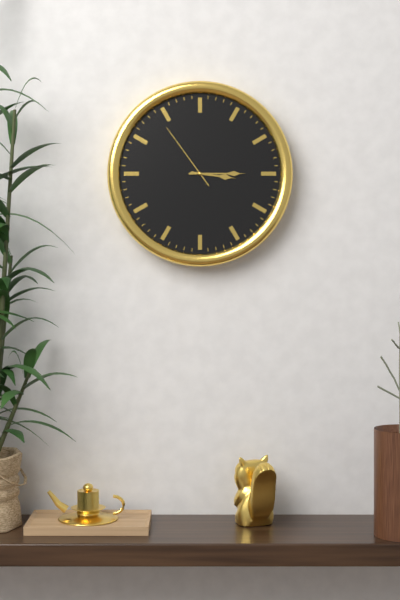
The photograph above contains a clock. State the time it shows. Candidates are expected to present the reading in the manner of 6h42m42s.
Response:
3h15m54s
